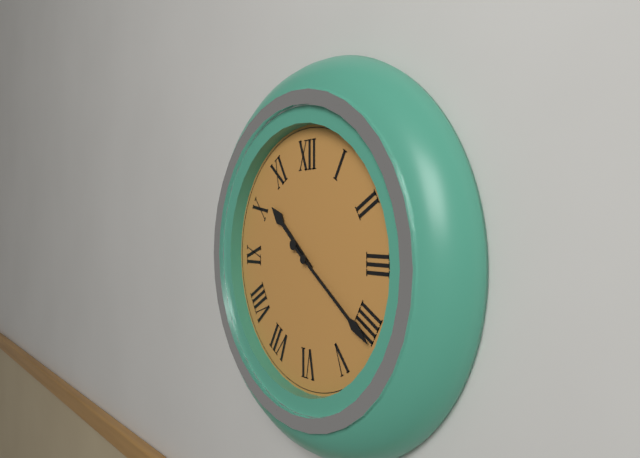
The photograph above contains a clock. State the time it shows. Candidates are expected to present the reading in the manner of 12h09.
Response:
10h21
